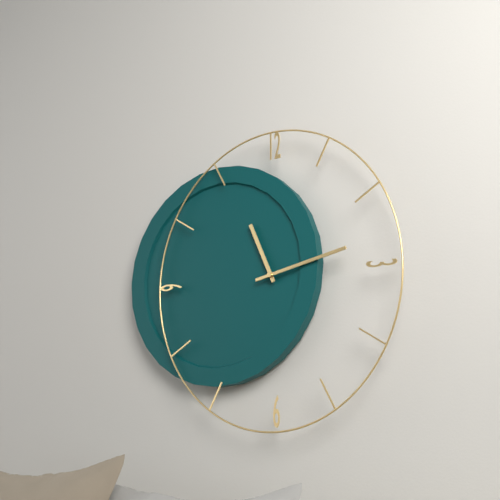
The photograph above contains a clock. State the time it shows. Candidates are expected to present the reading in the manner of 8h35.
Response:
11h13
